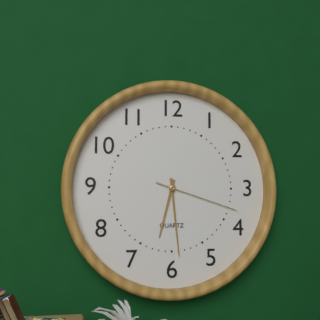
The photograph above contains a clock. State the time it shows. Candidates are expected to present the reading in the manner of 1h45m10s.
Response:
6h29m18s
